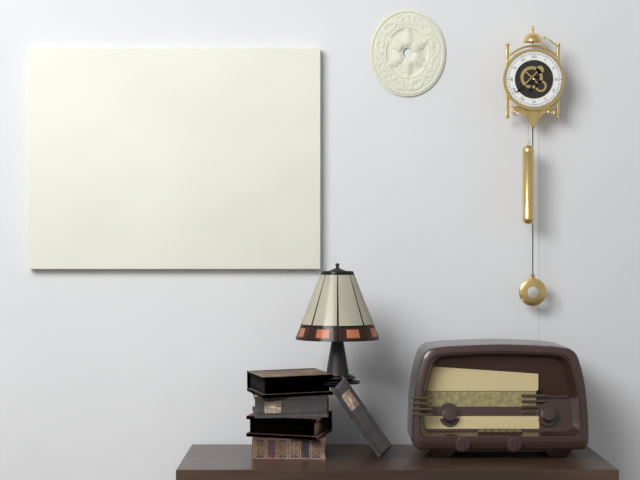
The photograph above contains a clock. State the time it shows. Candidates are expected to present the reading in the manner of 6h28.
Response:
6h39
